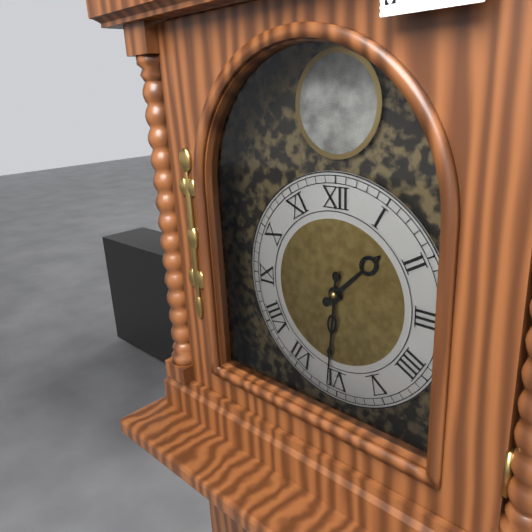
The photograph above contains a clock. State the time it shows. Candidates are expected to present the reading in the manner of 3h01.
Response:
1h31
